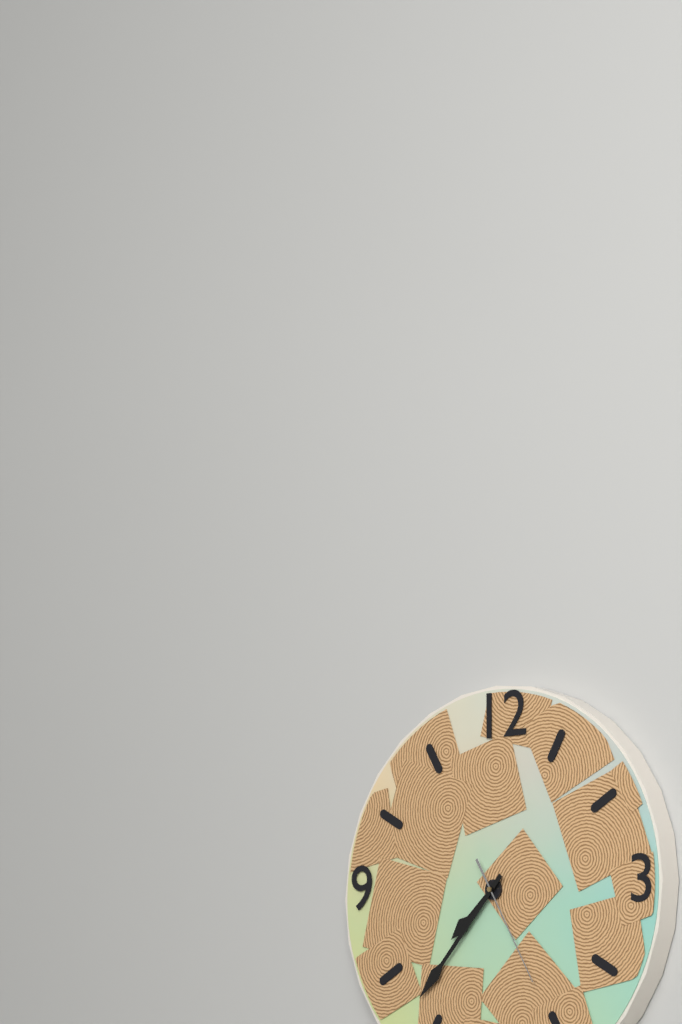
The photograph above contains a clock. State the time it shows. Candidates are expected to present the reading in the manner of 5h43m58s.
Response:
7h37m25s
